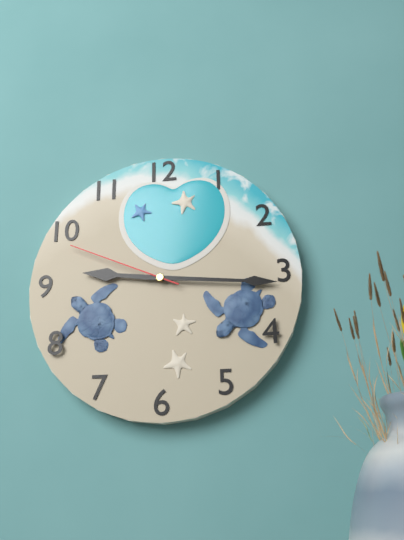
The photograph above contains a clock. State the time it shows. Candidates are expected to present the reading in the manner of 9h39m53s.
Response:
9h16m49s
